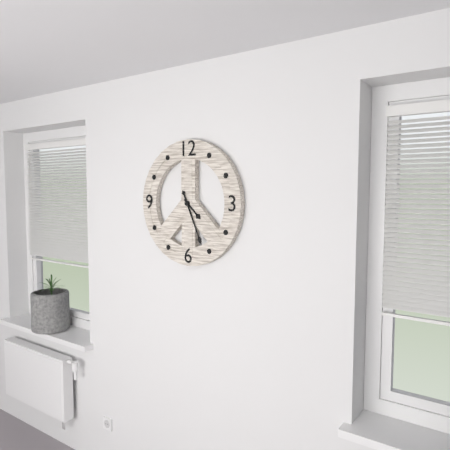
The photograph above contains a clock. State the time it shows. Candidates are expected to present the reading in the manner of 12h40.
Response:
4h26
